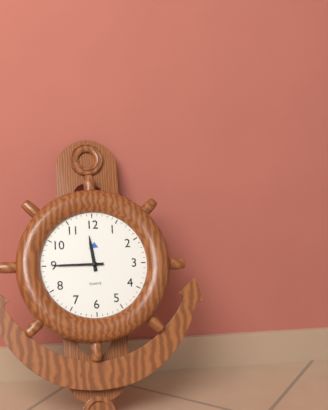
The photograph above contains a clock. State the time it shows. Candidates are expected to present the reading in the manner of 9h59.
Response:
11h45
